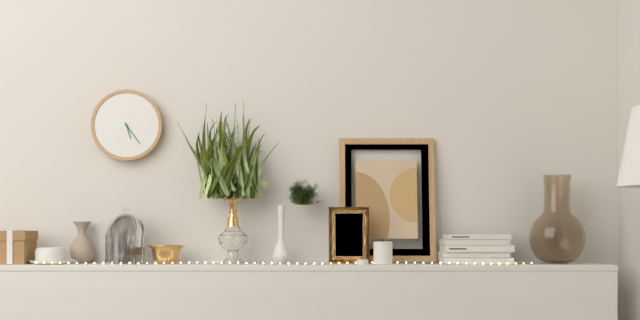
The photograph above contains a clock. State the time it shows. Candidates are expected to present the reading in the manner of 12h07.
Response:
5h24
